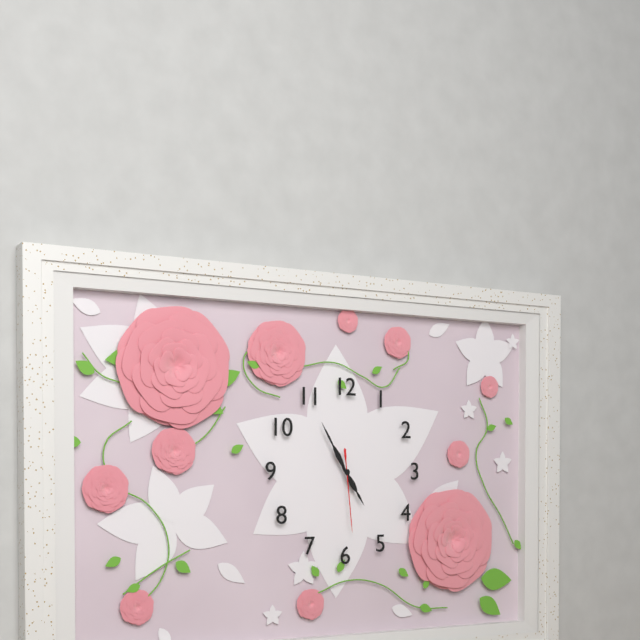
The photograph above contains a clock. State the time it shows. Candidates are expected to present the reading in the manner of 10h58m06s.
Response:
4h55m29s
